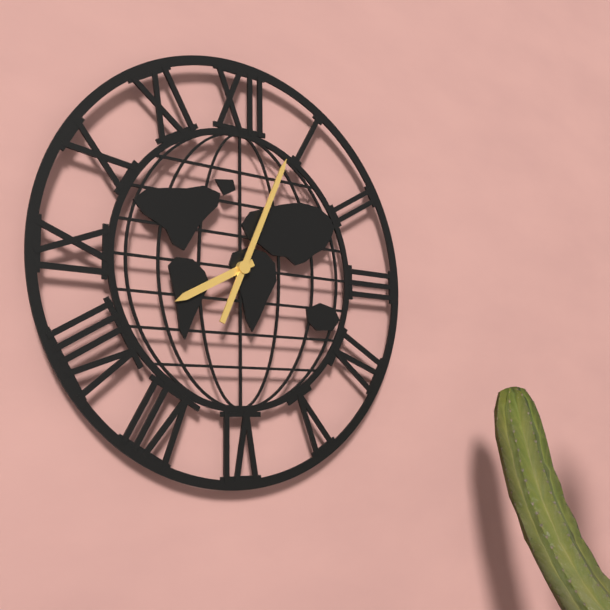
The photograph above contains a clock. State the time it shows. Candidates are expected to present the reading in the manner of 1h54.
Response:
8h04
